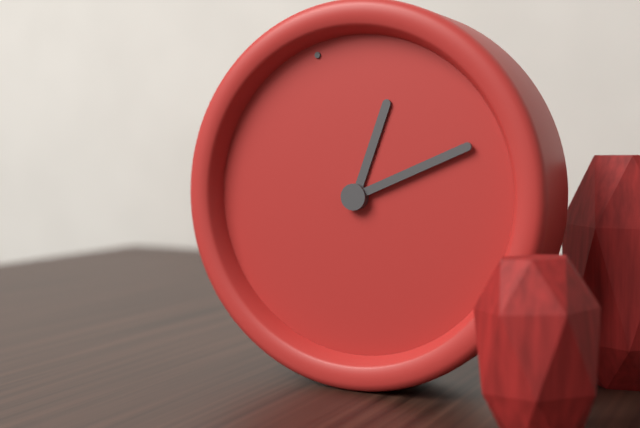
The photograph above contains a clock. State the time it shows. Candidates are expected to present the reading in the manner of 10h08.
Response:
1h14
